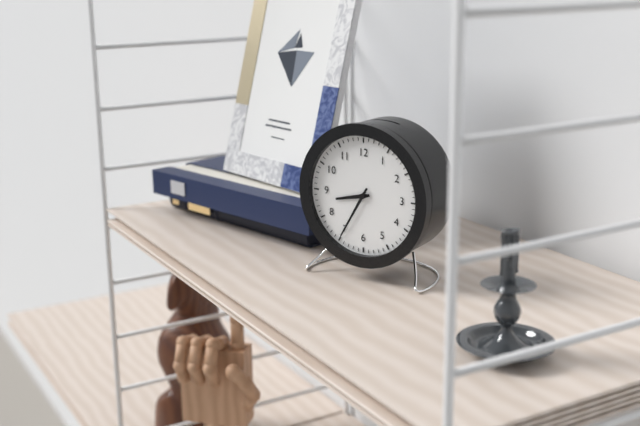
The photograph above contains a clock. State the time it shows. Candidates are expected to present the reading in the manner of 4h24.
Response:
8h35
